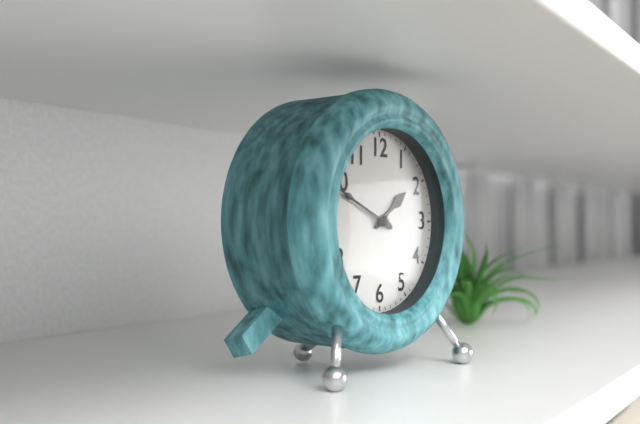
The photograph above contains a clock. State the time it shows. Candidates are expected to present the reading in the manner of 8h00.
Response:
1h49
